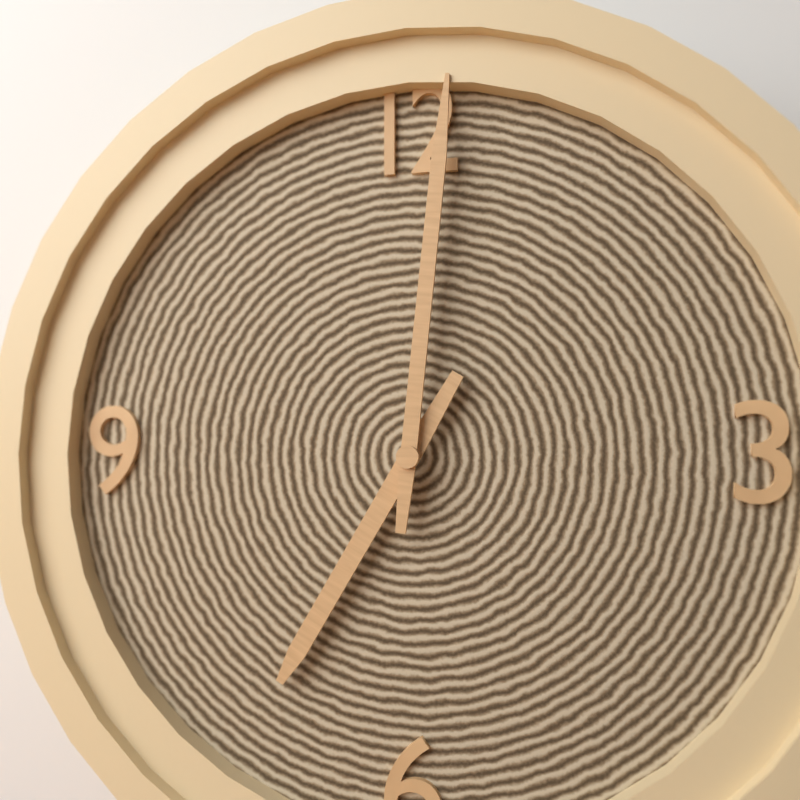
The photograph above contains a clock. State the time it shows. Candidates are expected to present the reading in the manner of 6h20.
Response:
7h01
